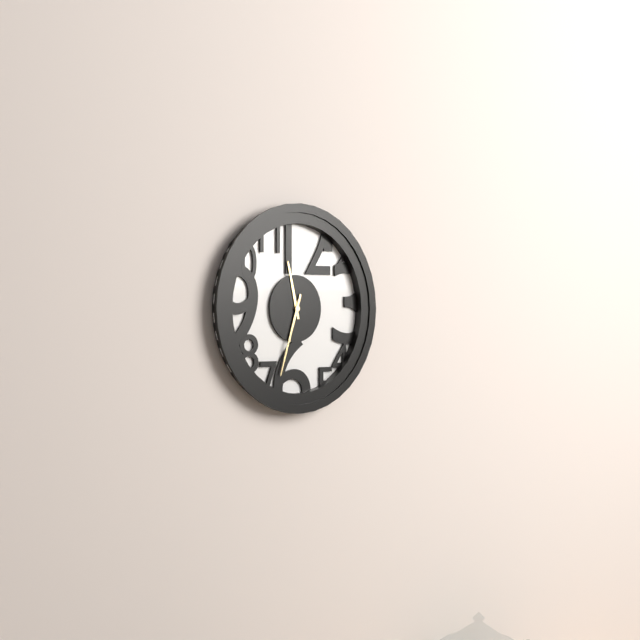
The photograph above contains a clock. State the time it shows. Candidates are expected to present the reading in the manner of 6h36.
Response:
11h33
